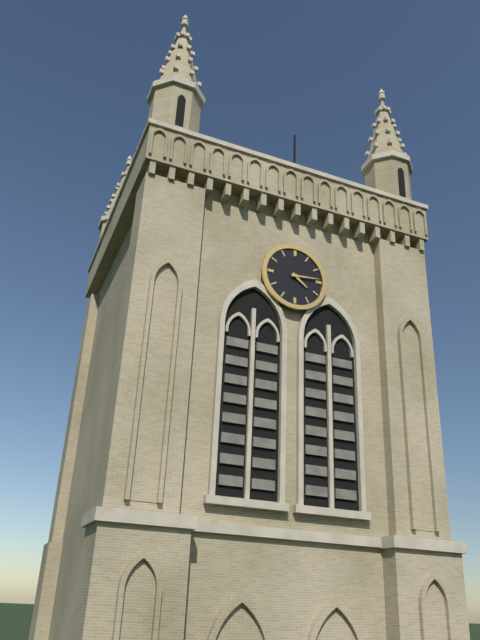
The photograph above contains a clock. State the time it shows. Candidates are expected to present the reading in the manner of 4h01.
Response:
4h14
